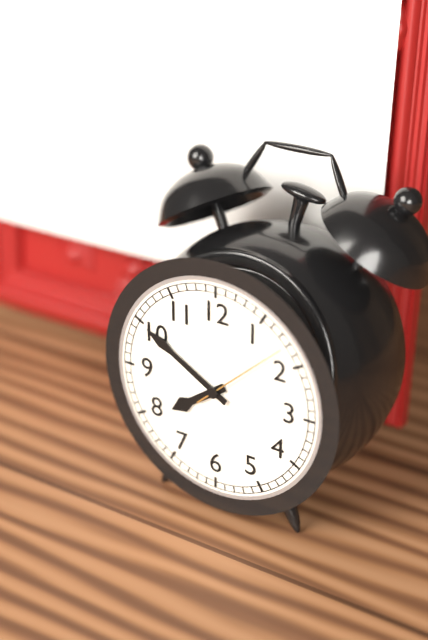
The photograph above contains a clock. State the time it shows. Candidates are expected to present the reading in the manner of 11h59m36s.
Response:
7h50m08s
